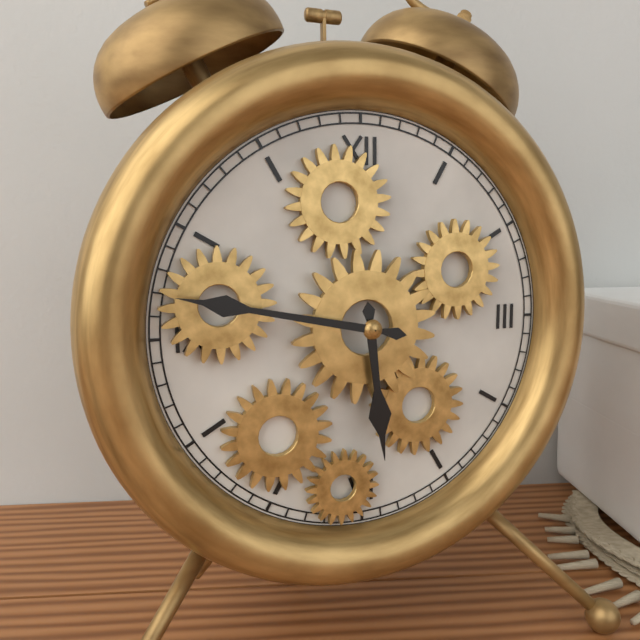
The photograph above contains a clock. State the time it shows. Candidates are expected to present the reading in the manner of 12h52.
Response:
5h47
